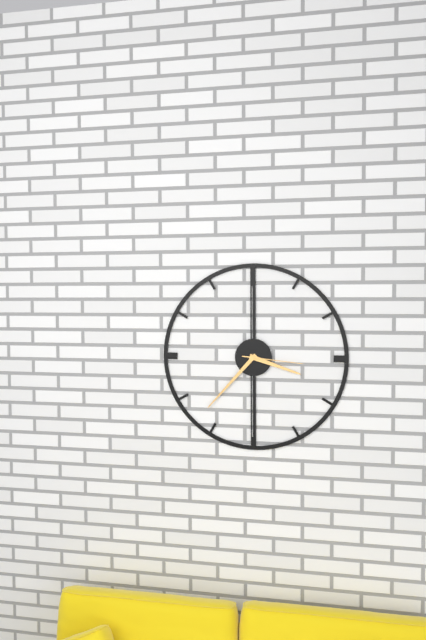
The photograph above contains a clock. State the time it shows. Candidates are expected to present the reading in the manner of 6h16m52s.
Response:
3h37m16s
